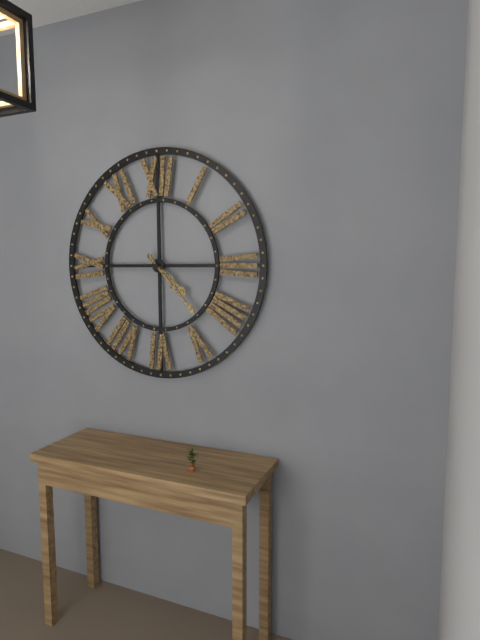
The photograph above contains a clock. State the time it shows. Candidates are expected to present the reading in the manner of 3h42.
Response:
4h23
